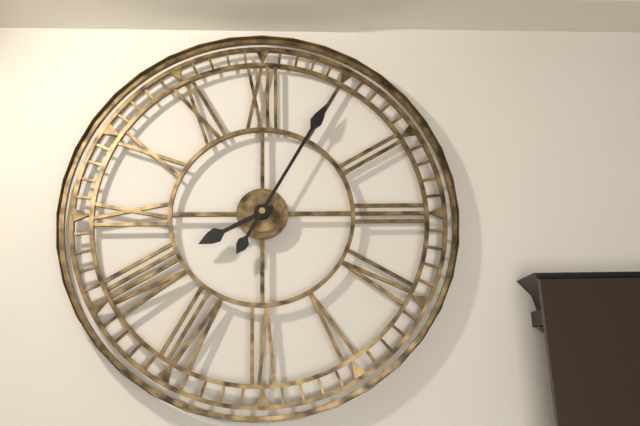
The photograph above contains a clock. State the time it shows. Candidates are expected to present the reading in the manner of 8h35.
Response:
8h05
